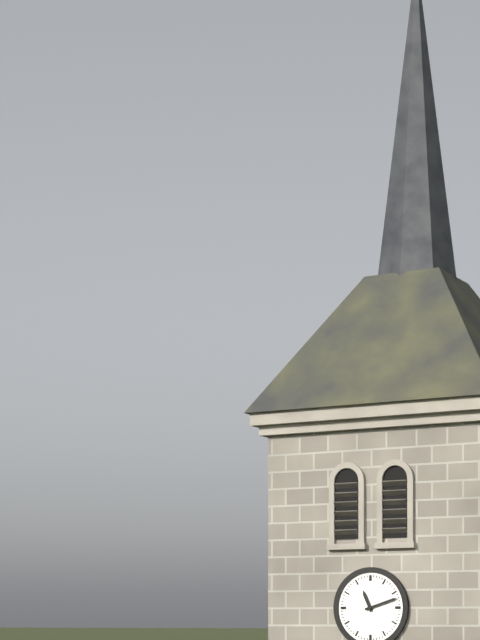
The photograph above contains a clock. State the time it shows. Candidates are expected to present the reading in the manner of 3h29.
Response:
11h12
